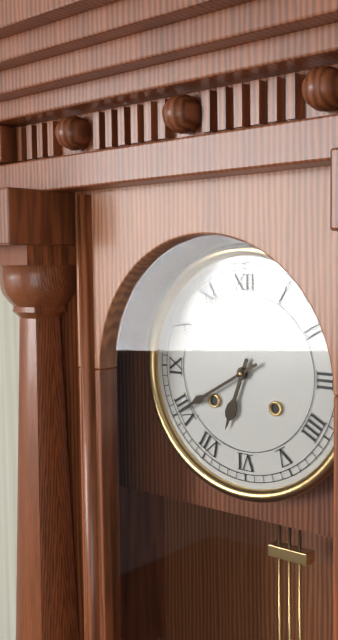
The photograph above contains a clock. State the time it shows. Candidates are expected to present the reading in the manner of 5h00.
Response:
6h40
